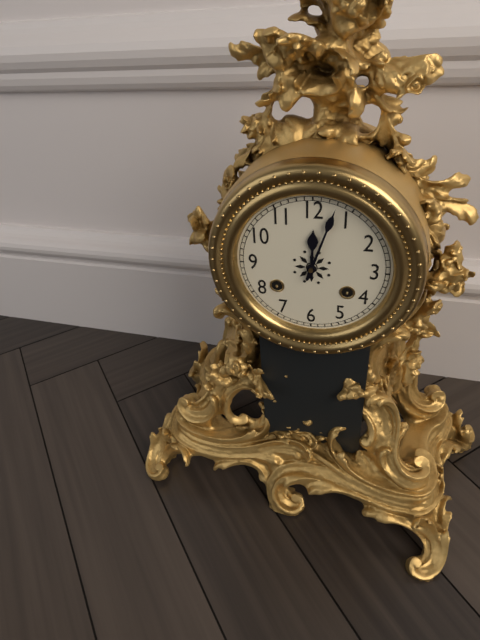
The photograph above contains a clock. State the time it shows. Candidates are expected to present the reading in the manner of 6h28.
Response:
12h03
